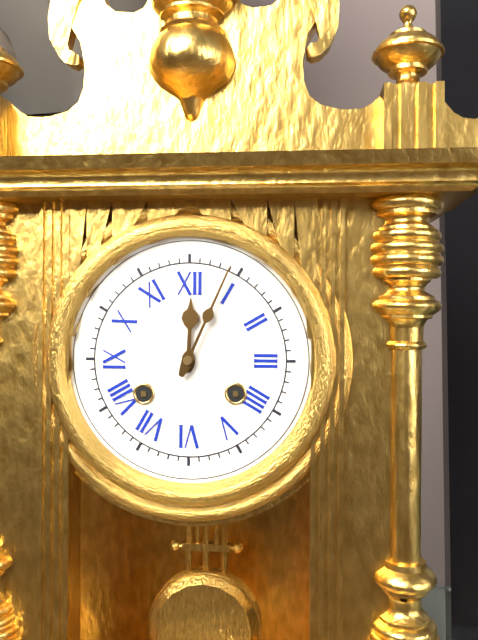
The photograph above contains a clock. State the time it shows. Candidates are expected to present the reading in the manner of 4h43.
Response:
12h04
